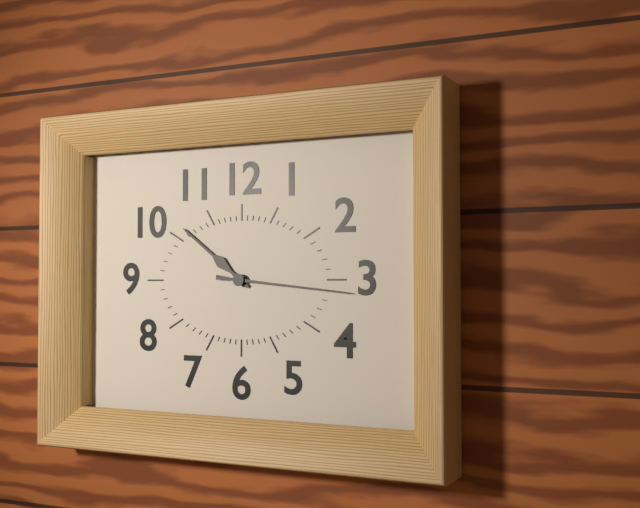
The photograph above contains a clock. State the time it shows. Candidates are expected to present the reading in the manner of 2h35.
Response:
10h16
